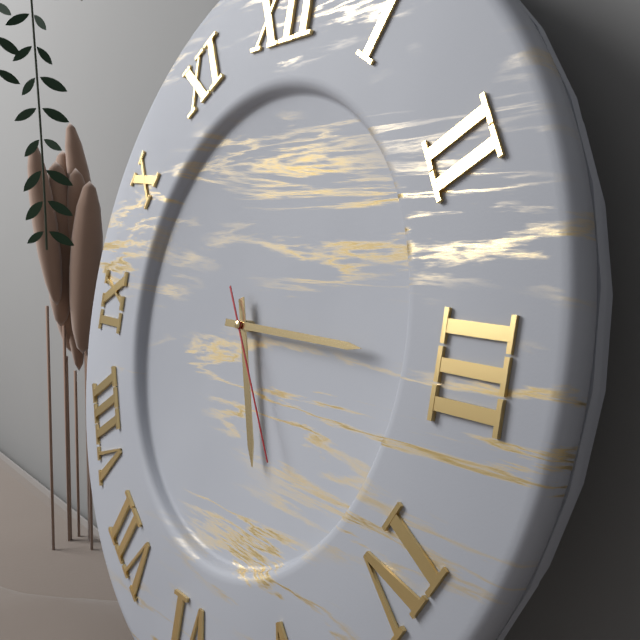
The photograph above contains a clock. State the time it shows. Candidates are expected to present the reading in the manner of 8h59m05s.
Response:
5h15m24s
